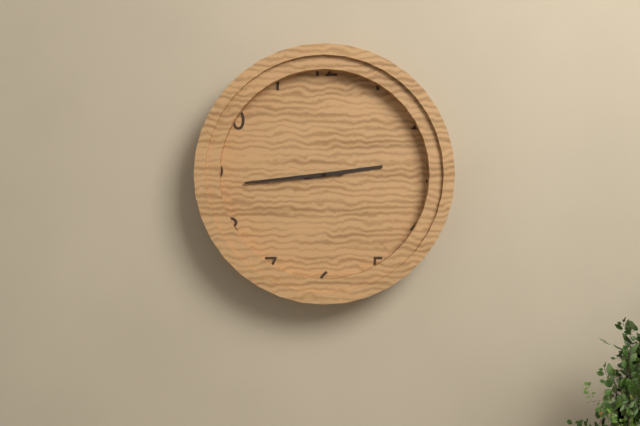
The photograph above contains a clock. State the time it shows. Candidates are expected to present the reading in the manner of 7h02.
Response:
2h44
